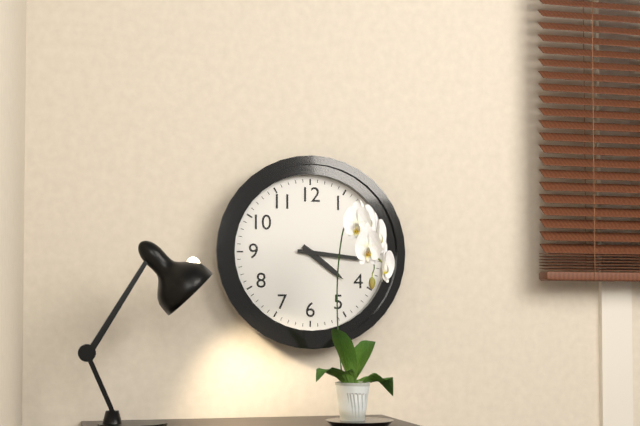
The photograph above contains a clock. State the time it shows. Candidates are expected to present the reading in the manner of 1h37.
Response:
4h16
